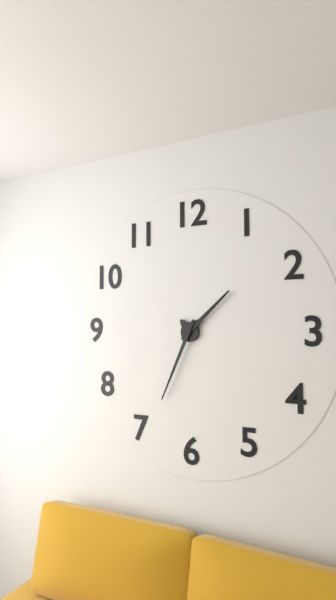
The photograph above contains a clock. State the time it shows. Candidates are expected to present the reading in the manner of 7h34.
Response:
1h34
